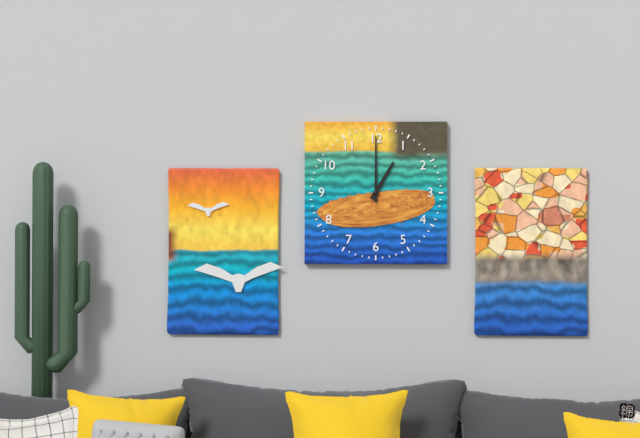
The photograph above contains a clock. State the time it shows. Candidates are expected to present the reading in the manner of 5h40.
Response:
1h00
